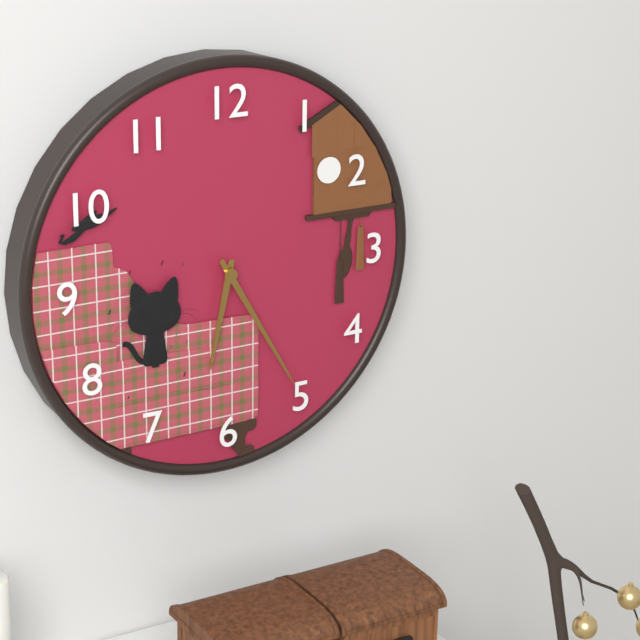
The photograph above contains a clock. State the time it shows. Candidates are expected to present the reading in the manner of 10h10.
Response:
6h25
